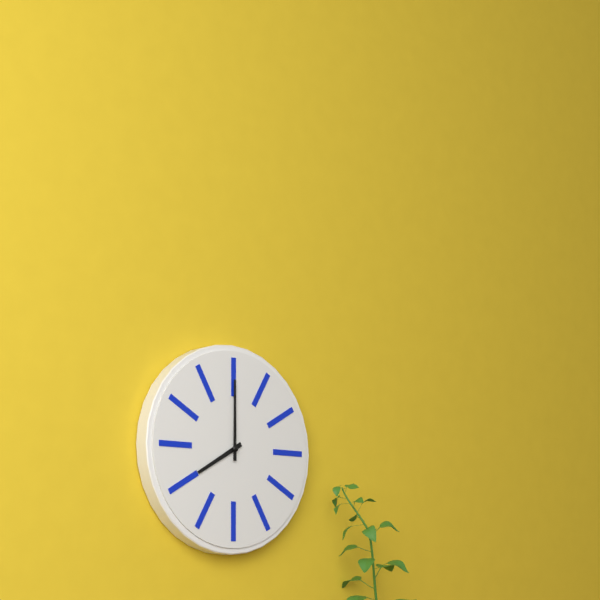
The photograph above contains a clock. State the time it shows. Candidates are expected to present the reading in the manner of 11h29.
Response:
8h00
